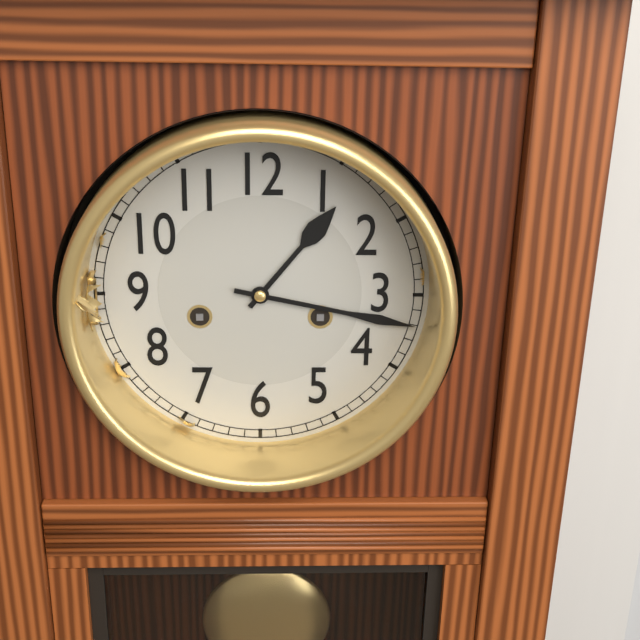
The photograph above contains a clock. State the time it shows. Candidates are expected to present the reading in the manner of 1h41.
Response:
1h17
